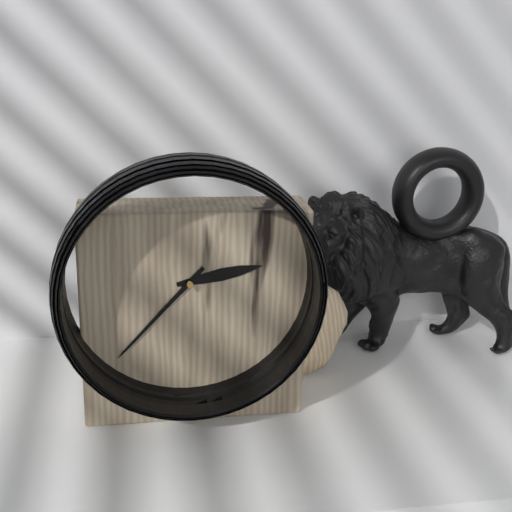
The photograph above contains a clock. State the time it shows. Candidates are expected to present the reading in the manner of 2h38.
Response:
2h37
